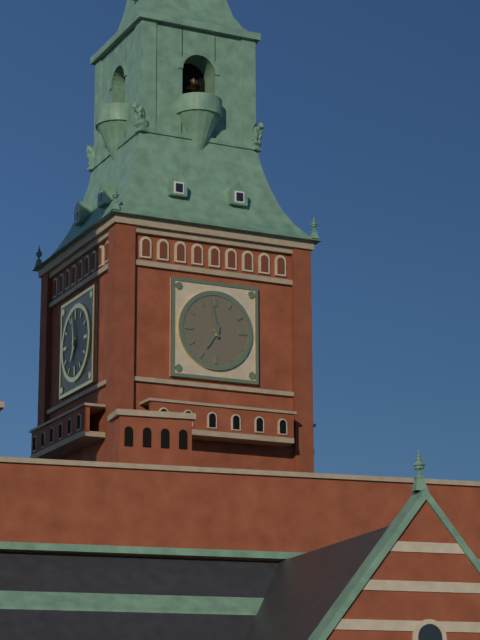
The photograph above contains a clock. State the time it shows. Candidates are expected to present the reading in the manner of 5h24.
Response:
6h58
